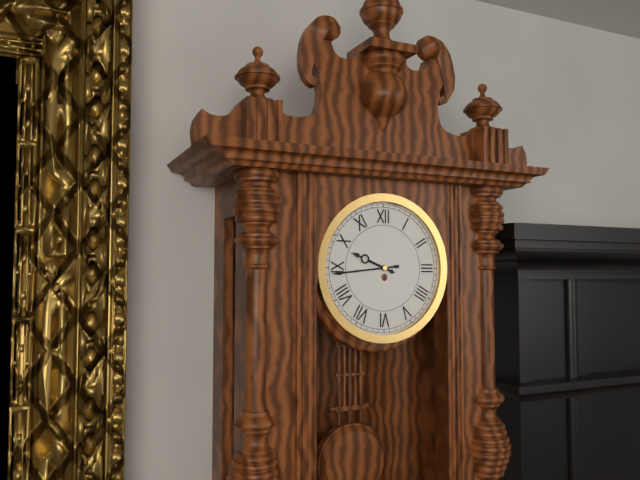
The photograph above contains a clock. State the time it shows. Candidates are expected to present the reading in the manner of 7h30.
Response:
9h44
